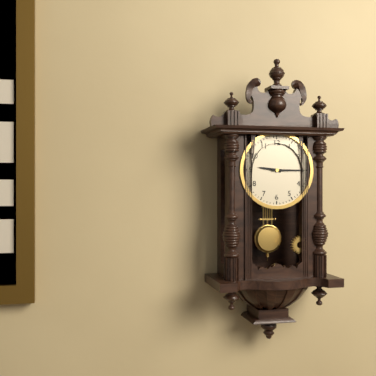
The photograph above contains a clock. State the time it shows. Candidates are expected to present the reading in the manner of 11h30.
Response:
9h15
